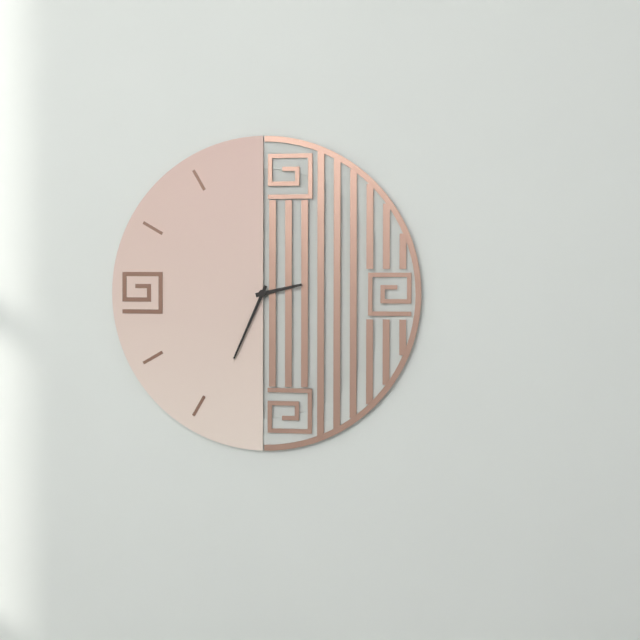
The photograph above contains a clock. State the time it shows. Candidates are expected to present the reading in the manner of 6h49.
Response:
2h34
